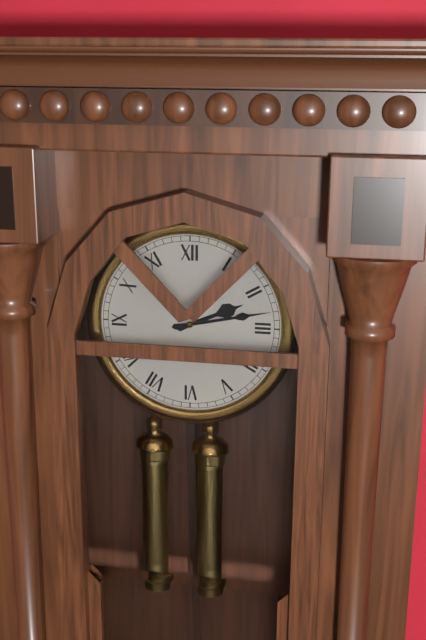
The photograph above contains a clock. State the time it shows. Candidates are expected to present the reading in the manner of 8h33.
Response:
2h13
